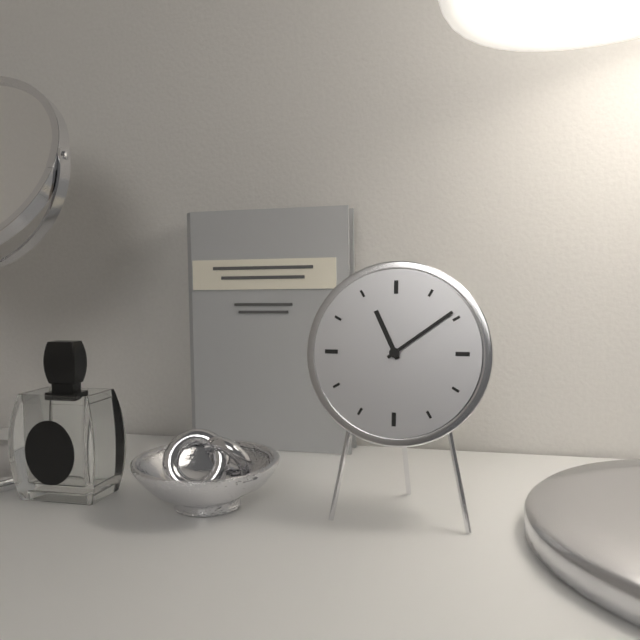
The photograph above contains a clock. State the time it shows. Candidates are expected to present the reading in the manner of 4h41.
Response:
11h09
